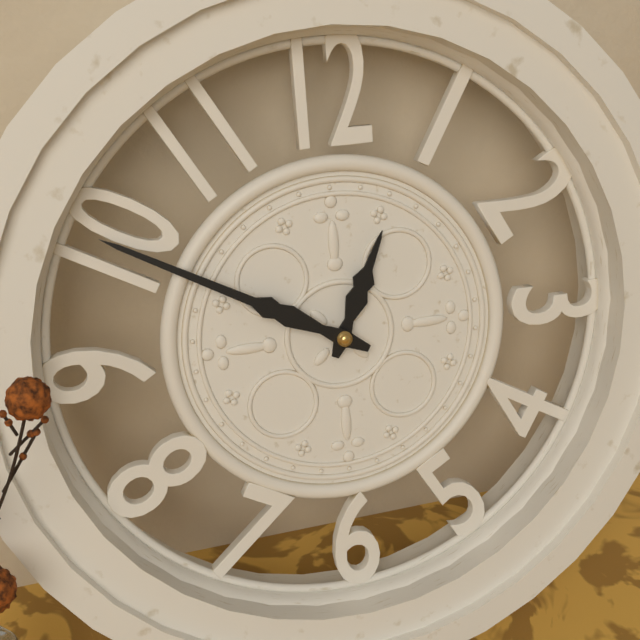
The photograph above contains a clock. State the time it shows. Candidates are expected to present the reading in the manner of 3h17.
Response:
12h50
